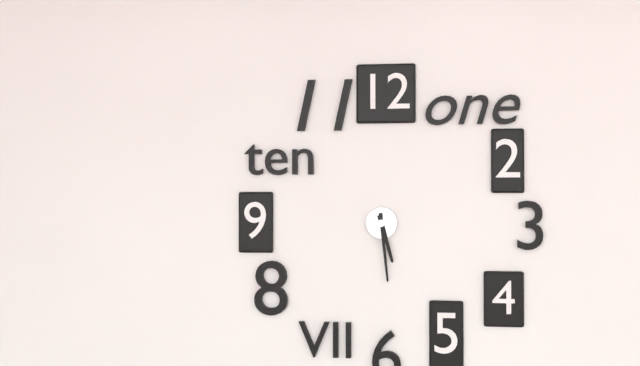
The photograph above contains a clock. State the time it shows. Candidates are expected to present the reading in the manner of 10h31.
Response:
5h29
